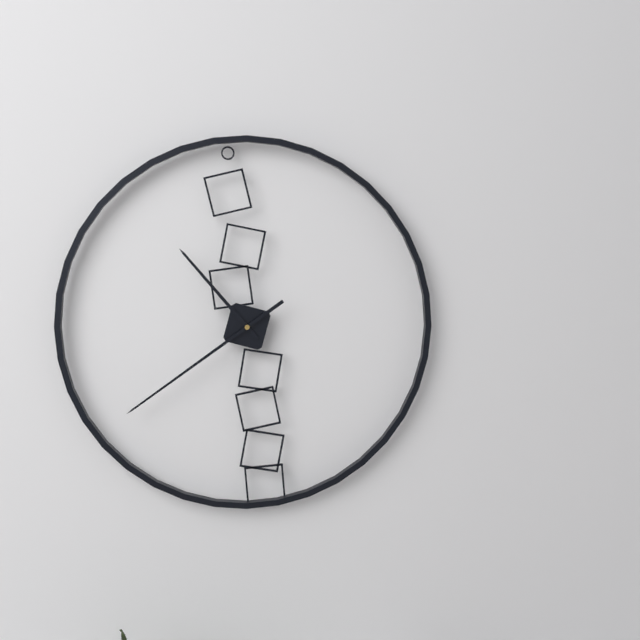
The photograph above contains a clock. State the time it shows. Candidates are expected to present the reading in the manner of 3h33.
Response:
10h39
